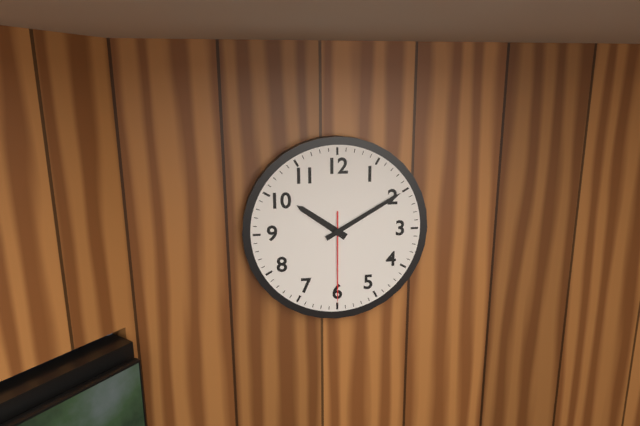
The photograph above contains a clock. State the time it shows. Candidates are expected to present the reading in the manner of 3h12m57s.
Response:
10h10m30s
